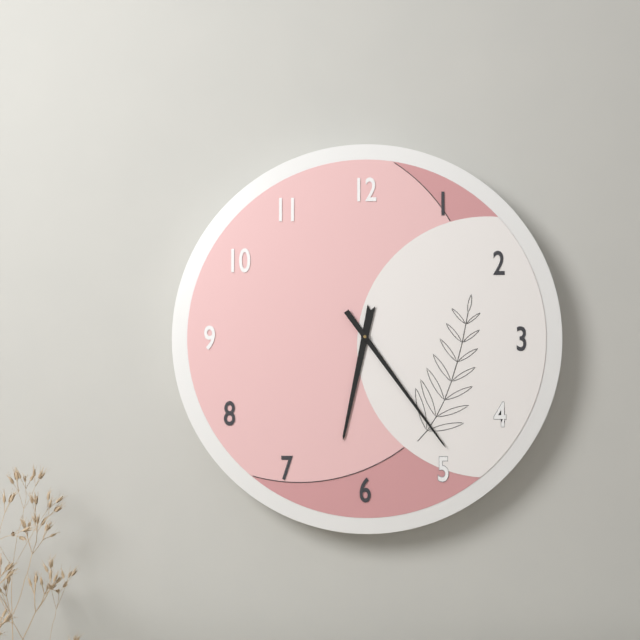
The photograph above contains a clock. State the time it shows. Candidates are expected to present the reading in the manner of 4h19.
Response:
6h24
